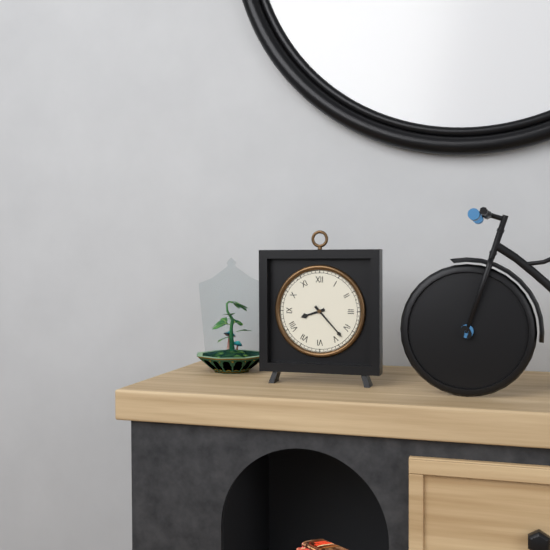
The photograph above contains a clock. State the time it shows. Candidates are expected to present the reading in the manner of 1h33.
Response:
8h23
